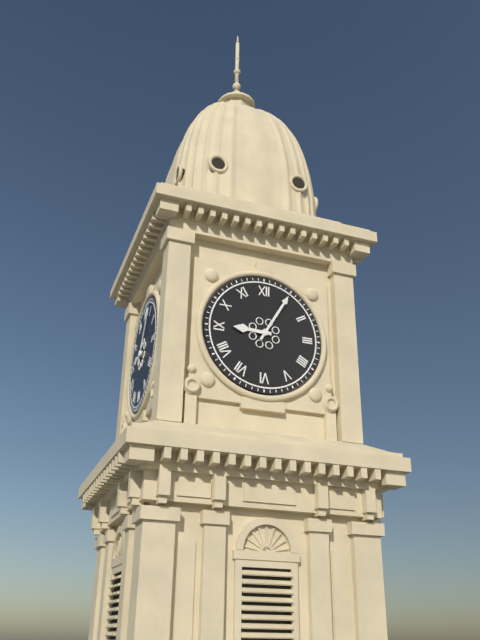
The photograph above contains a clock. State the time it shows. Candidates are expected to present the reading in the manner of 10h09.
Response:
9h05
